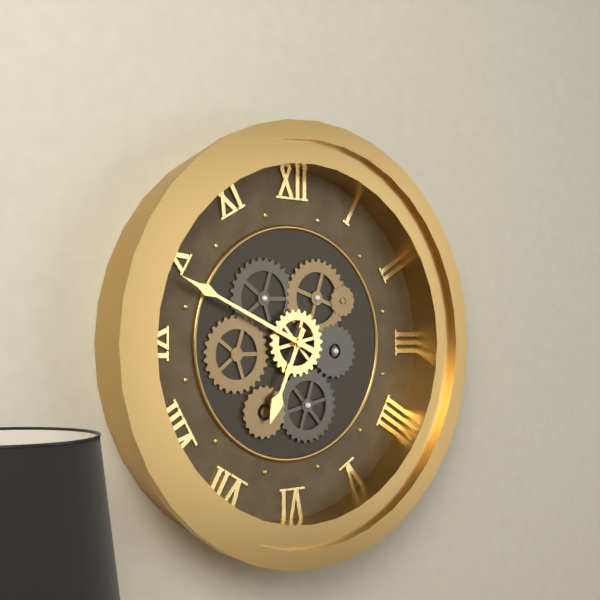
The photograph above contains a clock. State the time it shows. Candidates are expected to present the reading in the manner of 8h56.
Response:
6h49
